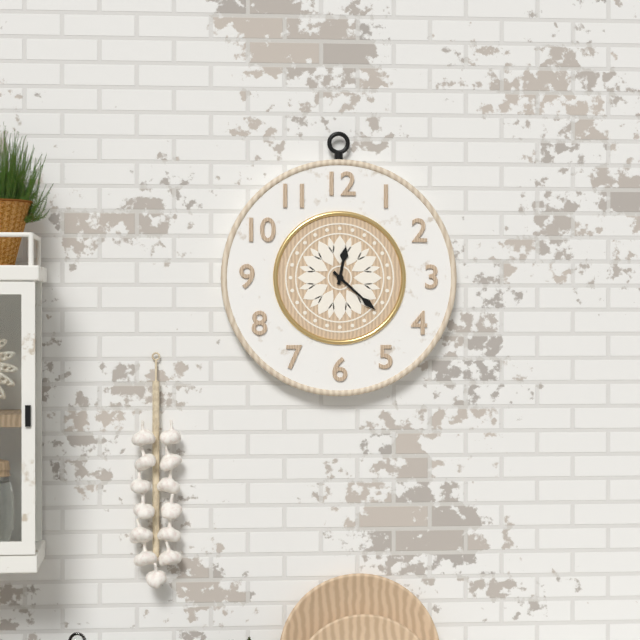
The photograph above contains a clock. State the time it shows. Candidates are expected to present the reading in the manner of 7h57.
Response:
12h22
